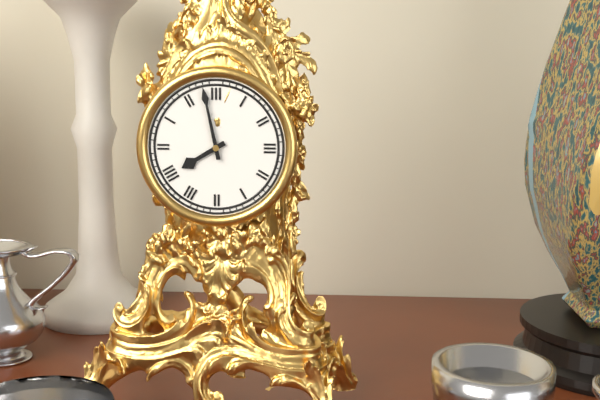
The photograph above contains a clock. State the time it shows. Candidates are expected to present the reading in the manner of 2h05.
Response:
7h58
